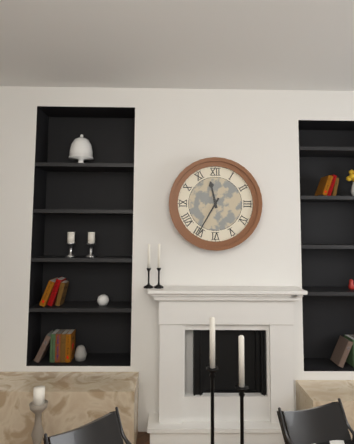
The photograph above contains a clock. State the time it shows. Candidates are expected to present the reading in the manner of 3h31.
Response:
11h35
